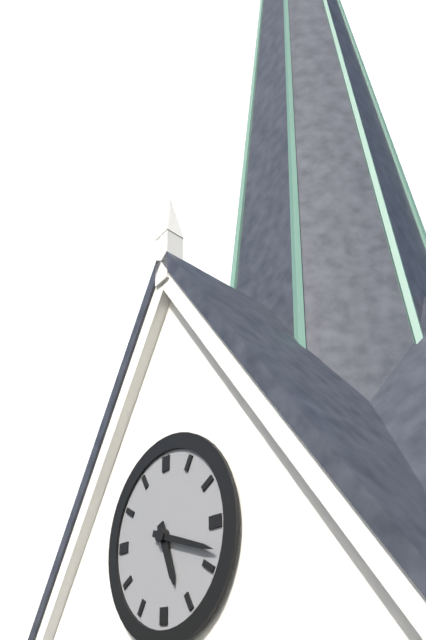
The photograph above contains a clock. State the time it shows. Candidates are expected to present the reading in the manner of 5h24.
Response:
5h18
